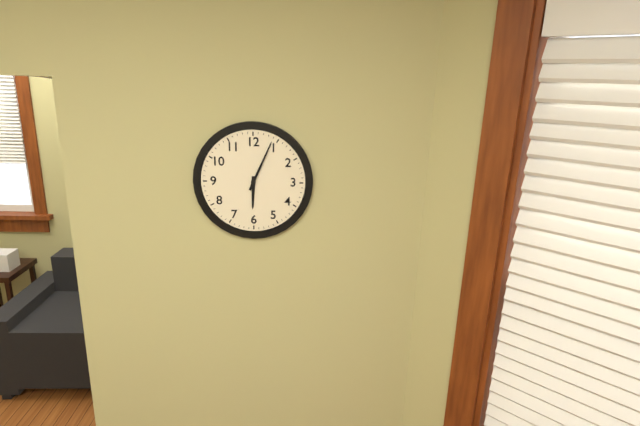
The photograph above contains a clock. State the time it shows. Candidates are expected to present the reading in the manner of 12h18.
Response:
6h04
